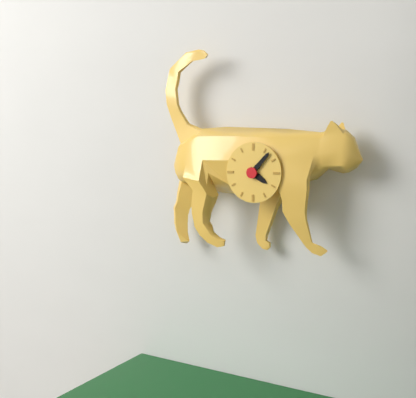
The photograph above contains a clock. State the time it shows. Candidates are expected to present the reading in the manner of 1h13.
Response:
4h07
